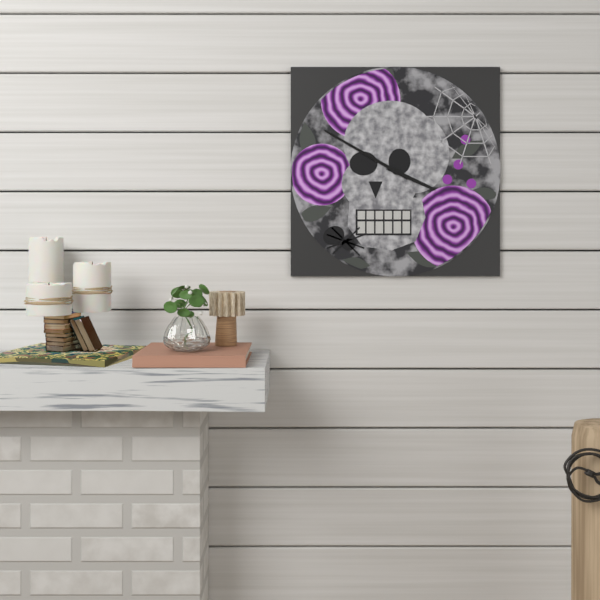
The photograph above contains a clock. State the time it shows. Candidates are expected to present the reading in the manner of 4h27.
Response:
3h50
